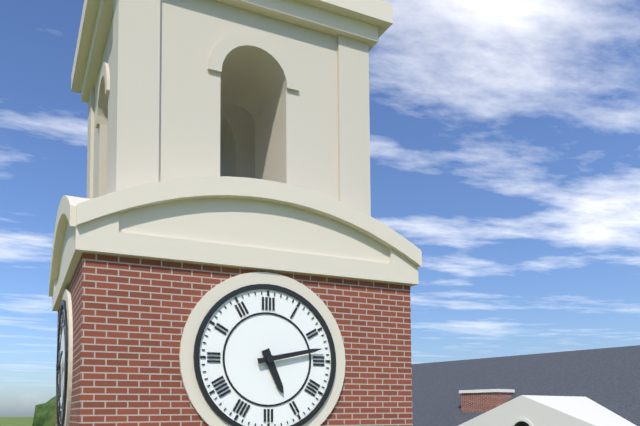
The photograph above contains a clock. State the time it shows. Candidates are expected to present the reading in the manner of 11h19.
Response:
5h13
